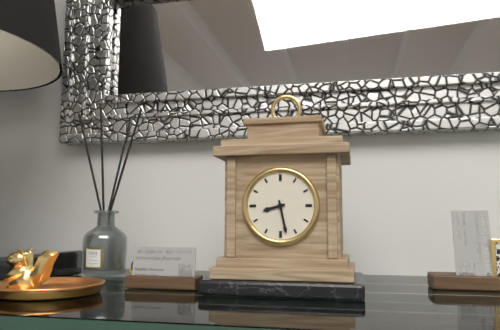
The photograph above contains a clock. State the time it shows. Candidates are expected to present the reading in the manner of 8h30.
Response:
8h28
